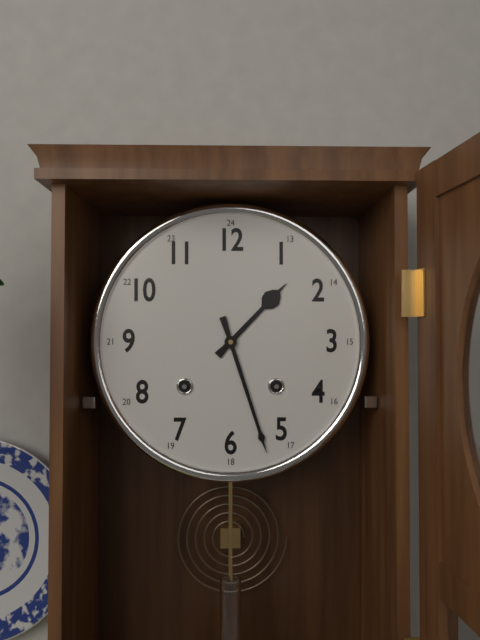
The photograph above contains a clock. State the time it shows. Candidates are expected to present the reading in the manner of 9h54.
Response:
1h27
